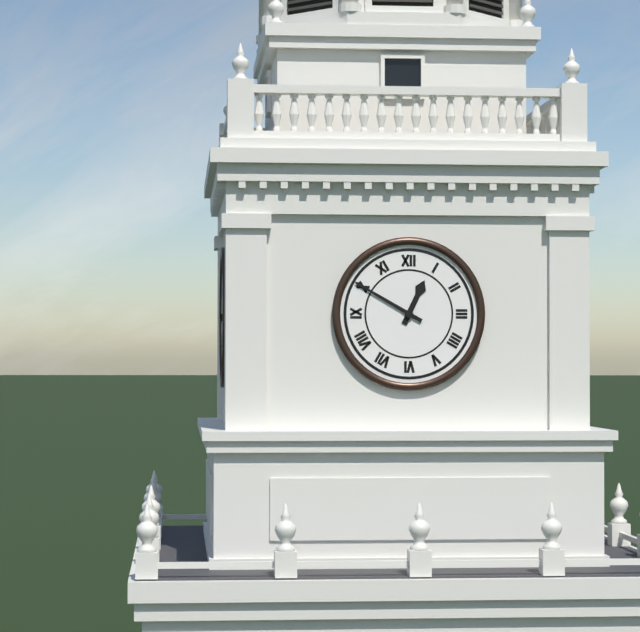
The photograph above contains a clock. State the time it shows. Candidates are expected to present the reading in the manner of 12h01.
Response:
12h50
